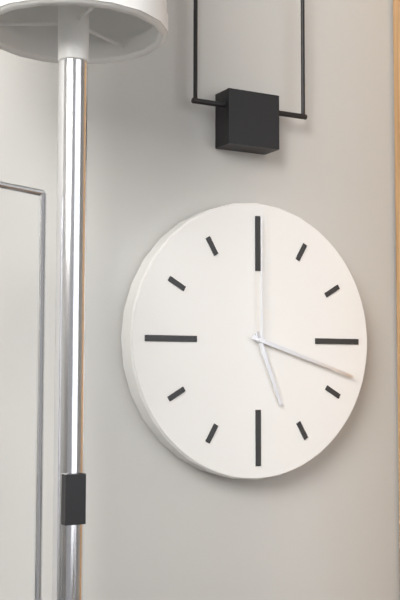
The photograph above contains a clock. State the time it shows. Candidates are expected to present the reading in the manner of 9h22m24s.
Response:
5h18m00s
